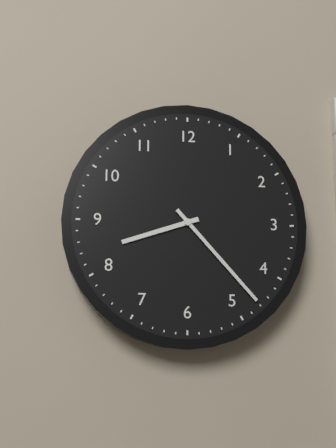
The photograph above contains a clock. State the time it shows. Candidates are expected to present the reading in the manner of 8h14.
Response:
8h23
